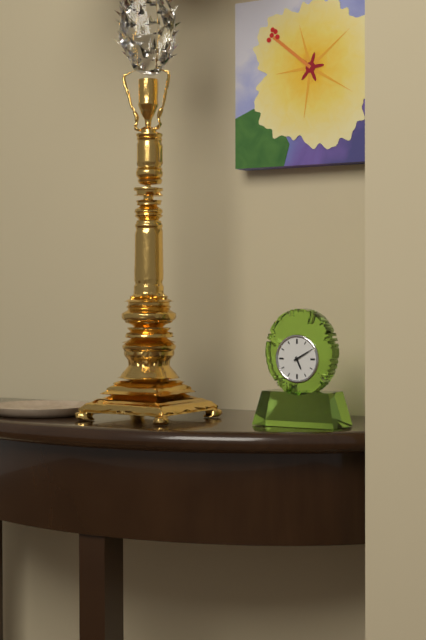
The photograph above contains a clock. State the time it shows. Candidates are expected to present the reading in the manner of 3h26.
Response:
5h10
